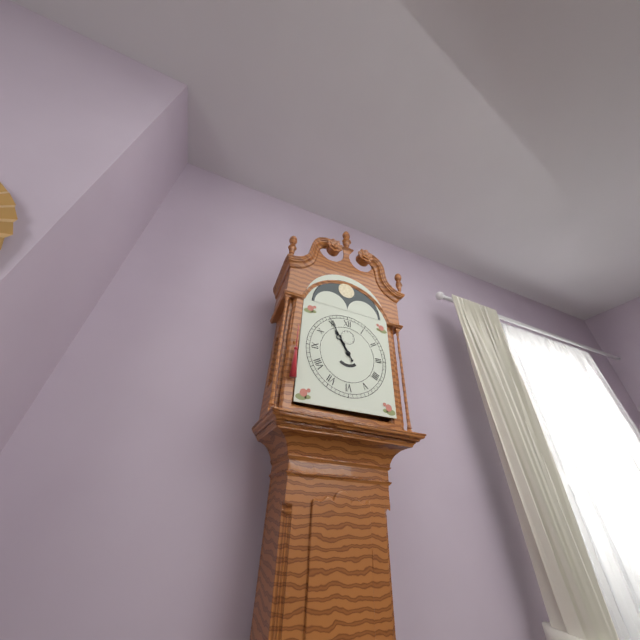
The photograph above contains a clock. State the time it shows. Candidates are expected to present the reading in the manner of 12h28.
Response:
10h55
